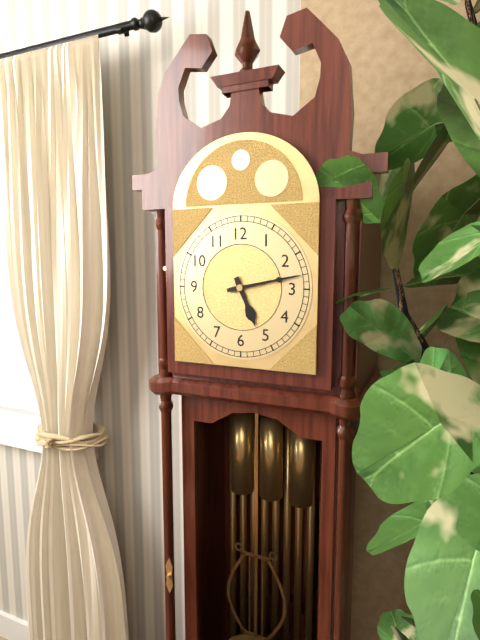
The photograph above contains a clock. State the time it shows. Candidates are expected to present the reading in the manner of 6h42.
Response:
5h13
